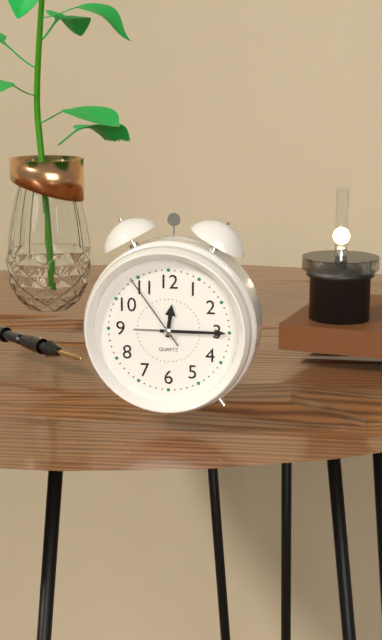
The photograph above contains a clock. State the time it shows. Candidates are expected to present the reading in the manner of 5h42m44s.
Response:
12h15m54s
